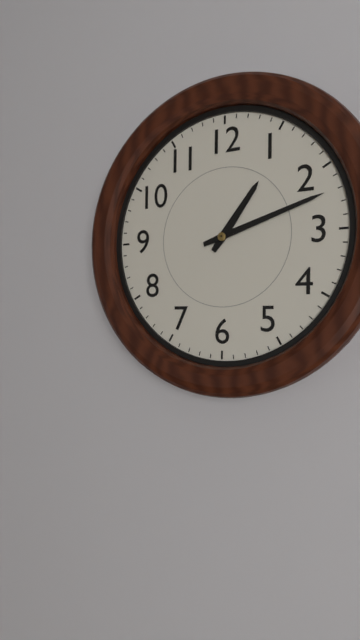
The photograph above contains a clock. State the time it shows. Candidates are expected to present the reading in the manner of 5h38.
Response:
1h12
